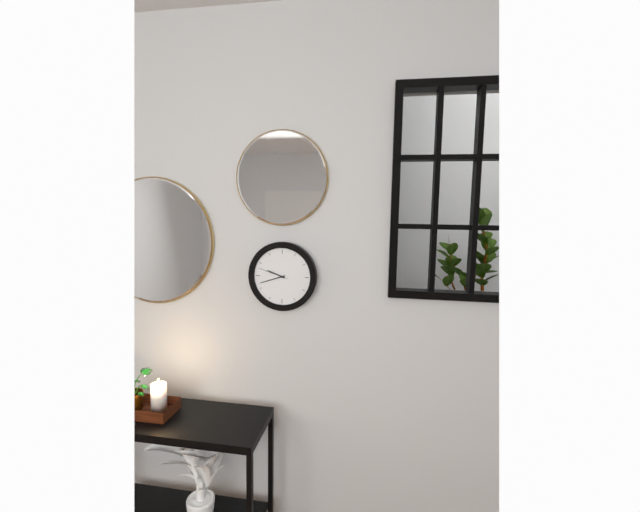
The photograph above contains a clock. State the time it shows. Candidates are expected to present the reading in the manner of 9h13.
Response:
9h42
